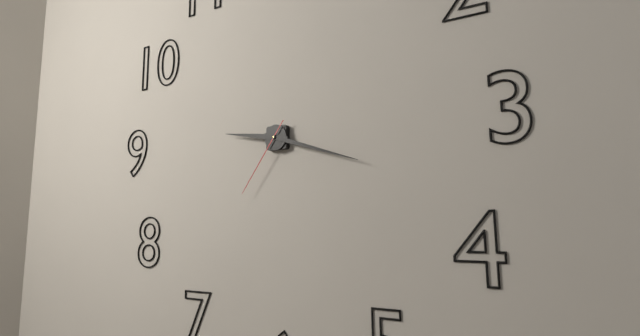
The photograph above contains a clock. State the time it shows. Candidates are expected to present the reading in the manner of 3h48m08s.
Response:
9h18m36s
